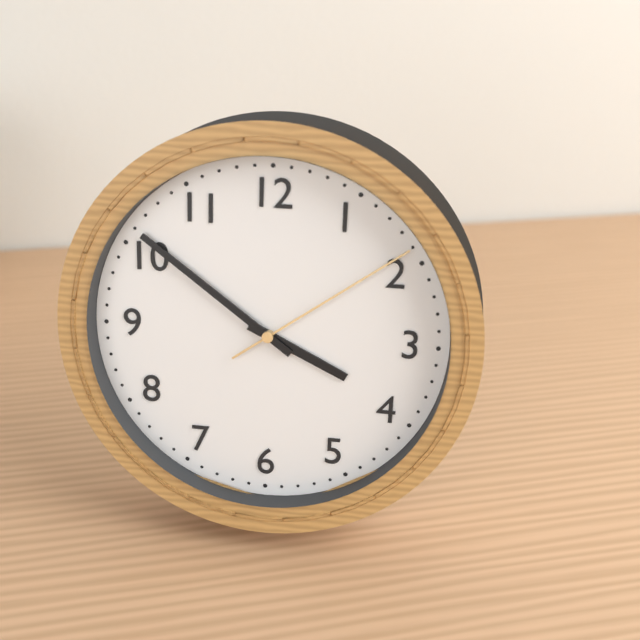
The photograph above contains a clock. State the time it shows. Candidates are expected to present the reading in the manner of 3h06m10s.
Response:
3h51m09s
